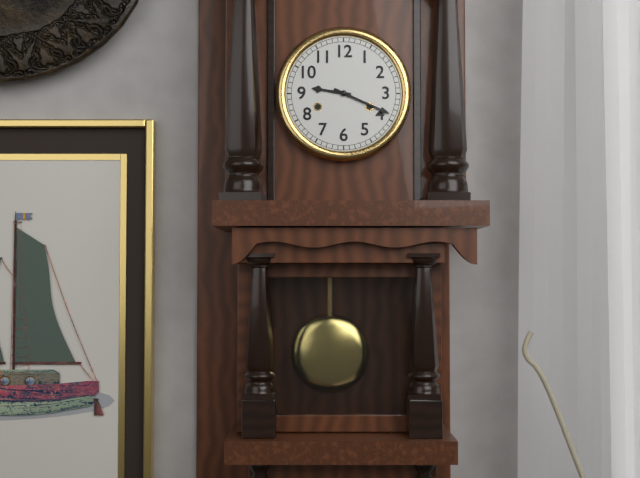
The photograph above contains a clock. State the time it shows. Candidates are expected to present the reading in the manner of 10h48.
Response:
9h19
